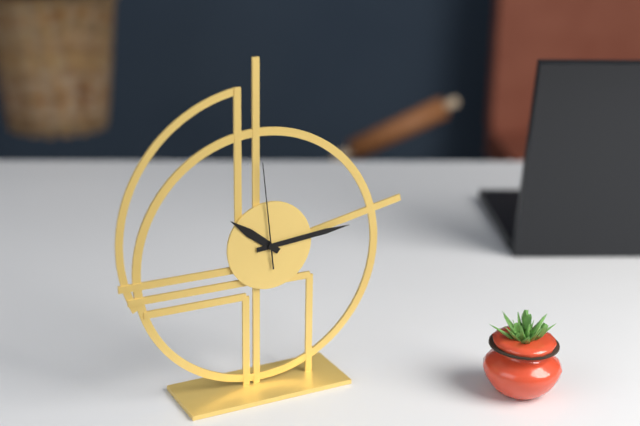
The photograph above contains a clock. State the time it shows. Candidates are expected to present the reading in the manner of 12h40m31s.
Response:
10h14m59s
